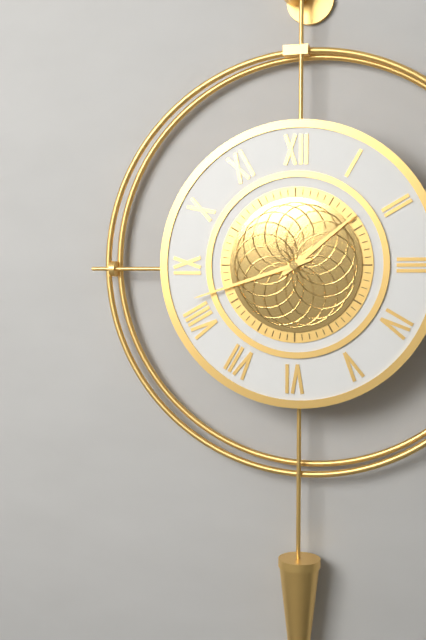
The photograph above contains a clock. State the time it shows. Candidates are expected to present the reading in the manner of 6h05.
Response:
1h42
